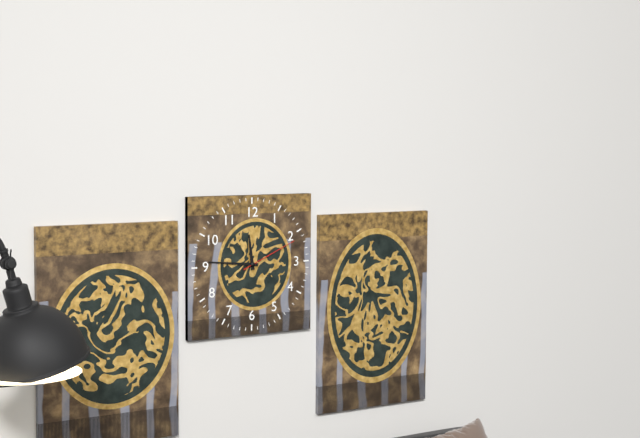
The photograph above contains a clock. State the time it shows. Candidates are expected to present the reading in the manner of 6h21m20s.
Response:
11h46m11s
